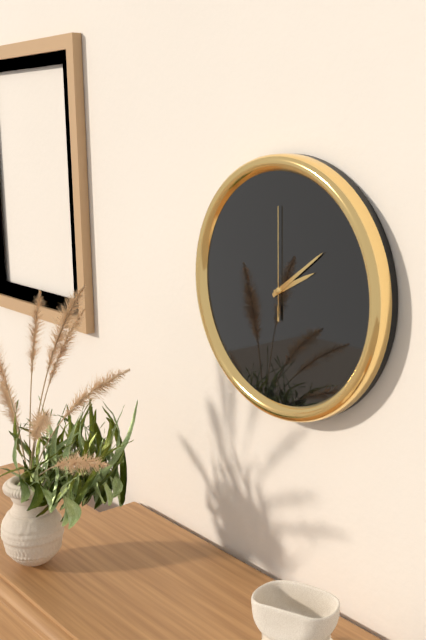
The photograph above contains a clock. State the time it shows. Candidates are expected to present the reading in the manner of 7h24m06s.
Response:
2h09m00s
